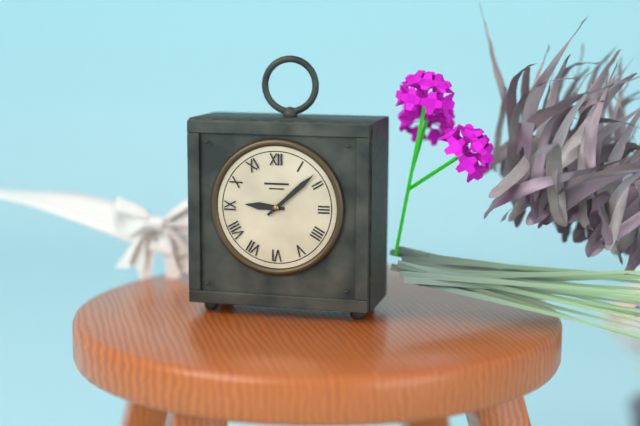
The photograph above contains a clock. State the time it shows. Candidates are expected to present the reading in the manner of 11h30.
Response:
9h08
